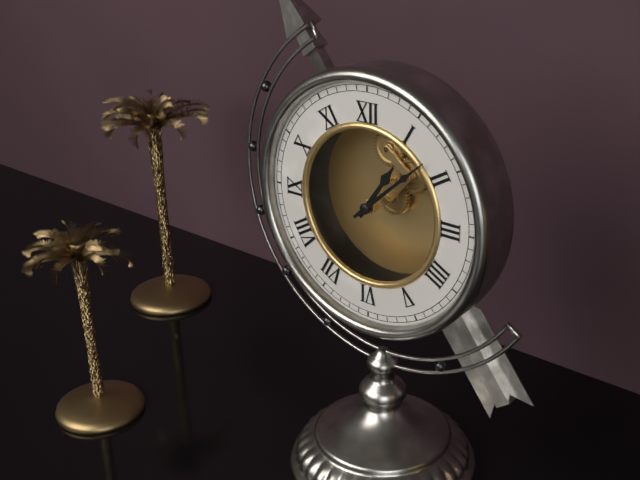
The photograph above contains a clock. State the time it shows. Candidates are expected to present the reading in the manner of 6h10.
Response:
1h08
